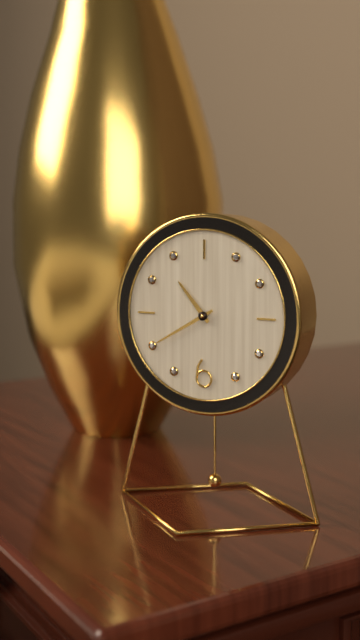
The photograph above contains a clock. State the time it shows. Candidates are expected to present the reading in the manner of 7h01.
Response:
10h40
